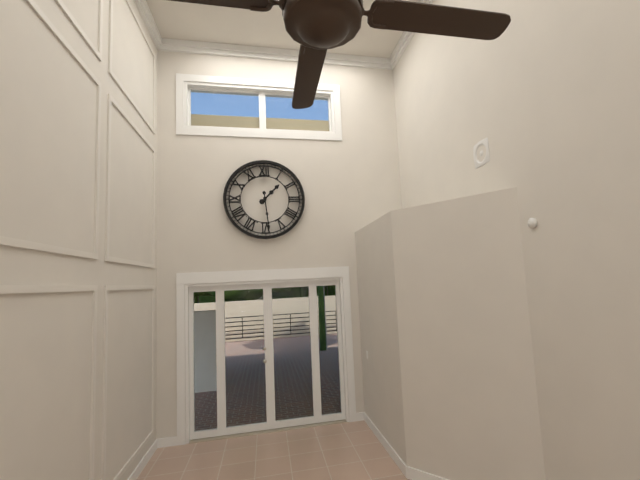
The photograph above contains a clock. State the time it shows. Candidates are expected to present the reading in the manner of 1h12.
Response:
1h29
